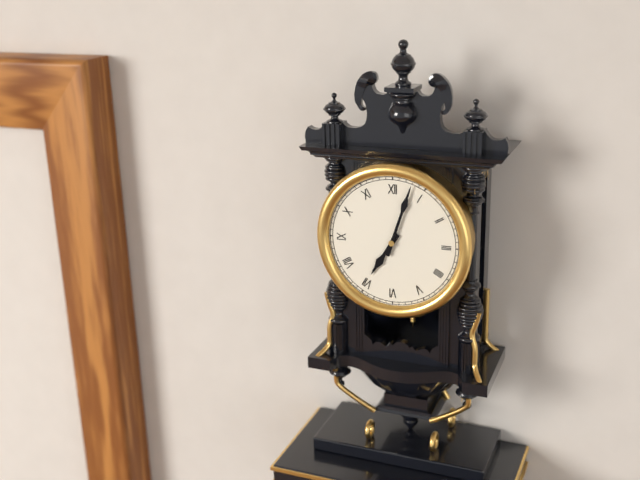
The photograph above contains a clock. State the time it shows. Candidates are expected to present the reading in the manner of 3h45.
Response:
7h03
